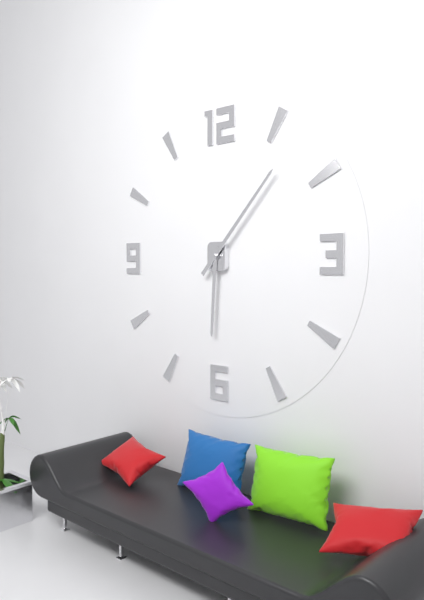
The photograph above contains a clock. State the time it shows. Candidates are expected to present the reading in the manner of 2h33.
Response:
6h07
